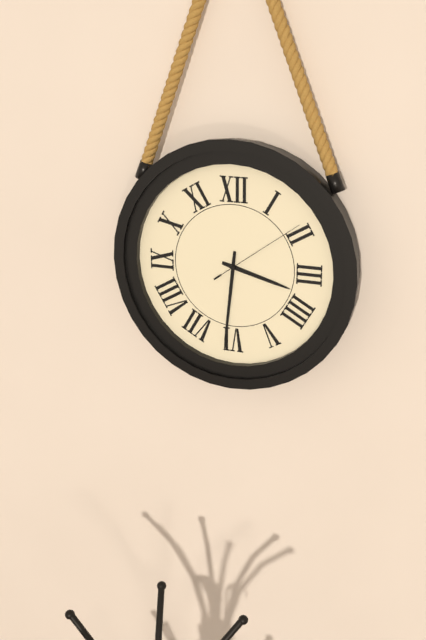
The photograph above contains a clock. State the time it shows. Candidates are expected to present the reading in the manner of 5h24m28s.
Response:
3h31m09s
